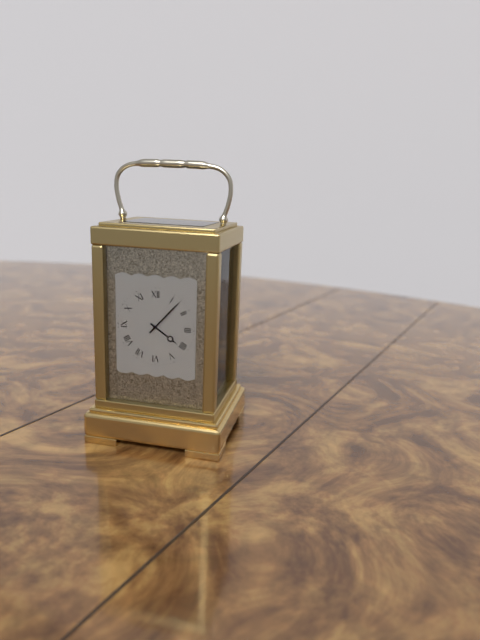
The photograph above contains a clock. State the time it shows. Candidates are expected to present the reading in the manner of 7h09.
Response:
4h07
